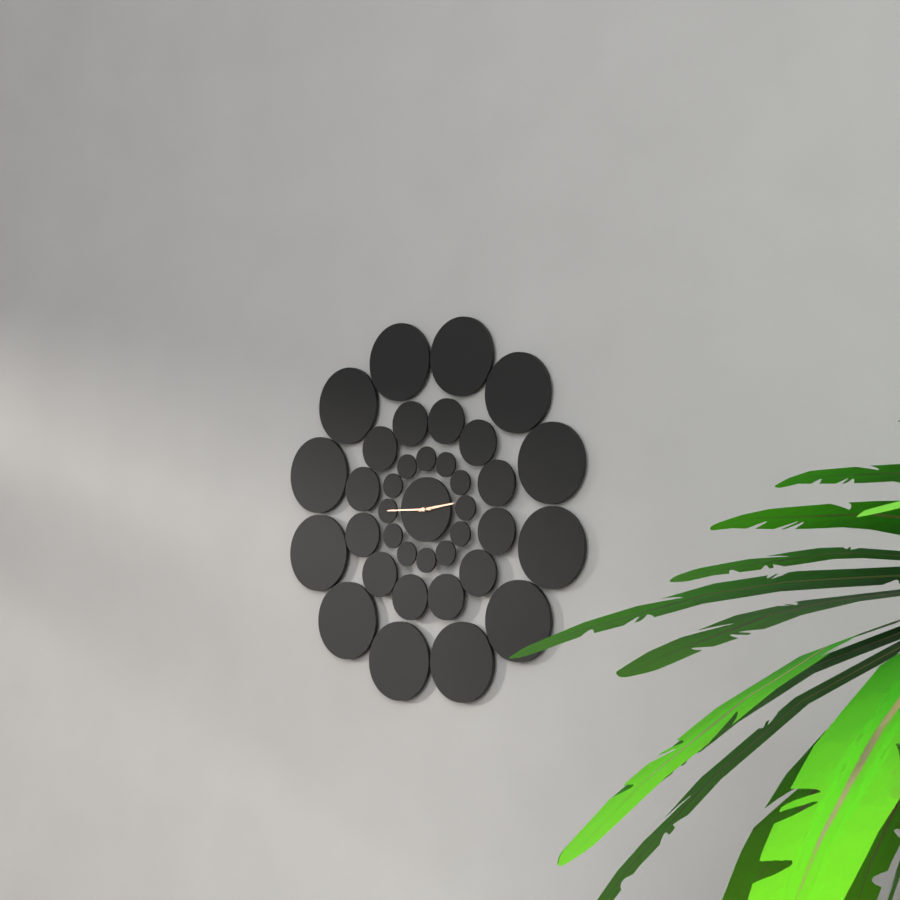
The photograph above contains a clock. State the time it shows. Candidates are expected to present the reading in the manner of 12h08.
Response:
2h45
